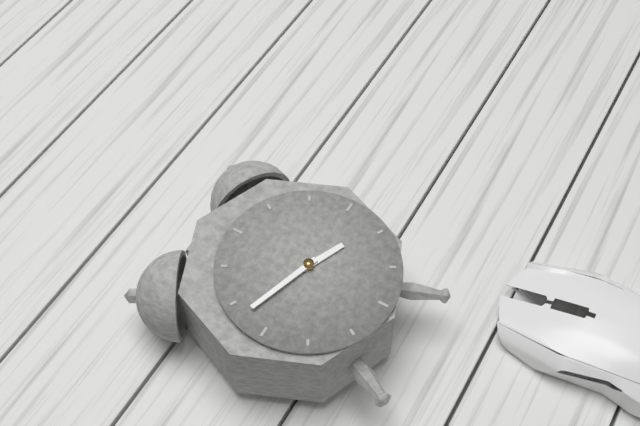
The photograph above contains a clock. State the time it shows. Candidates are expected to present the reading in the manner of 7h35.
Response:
3h48
